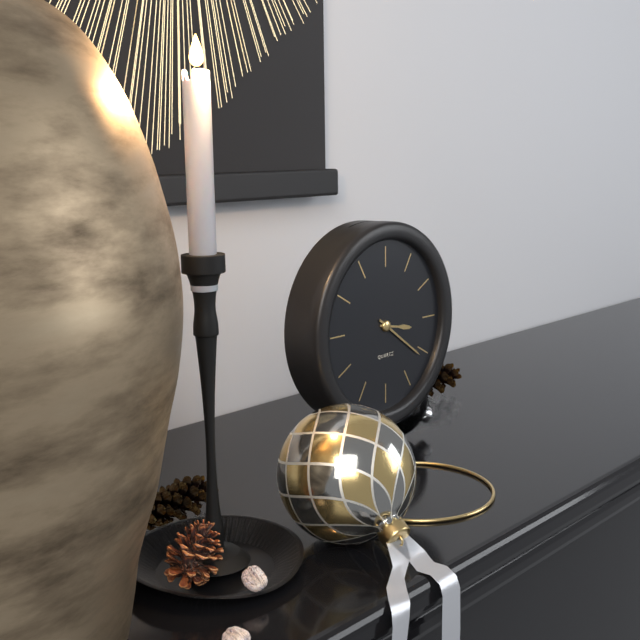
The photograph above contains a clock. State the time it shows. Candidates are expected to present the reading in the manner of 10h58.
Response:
3h21
